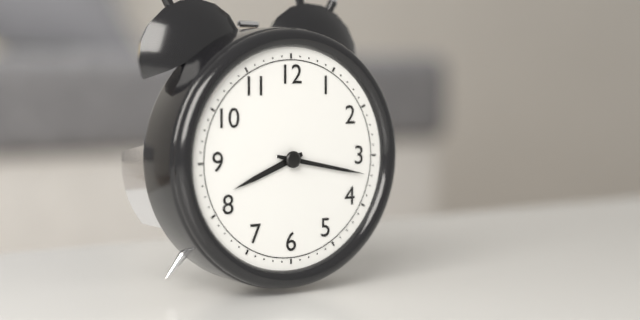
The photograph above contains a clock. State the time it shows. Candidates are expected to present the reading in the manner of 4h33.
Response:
8h17
